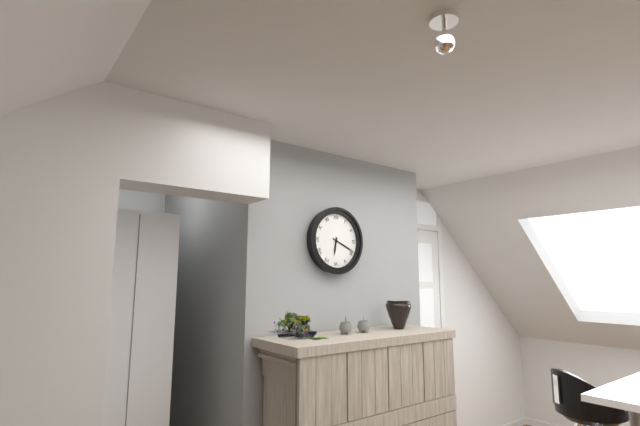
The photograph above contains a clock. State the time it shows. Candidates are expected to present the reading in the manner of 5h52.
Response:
6h19
